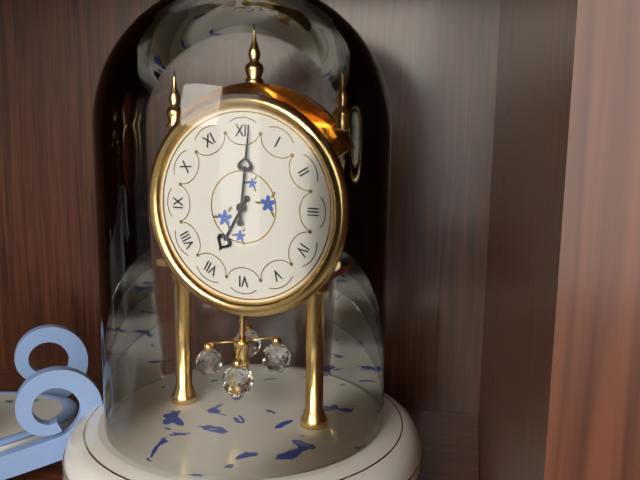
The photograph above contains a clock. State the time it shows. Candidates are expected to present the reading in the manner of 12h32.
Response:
7h01
